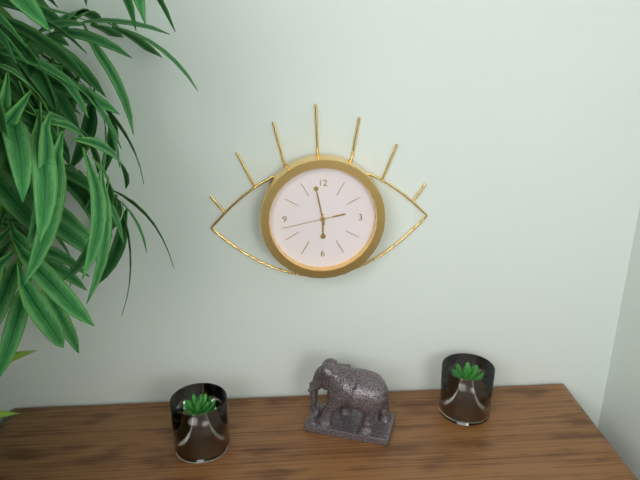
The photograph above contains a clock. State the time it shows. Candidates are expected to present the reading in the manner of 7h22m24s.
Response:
5h58m43s
